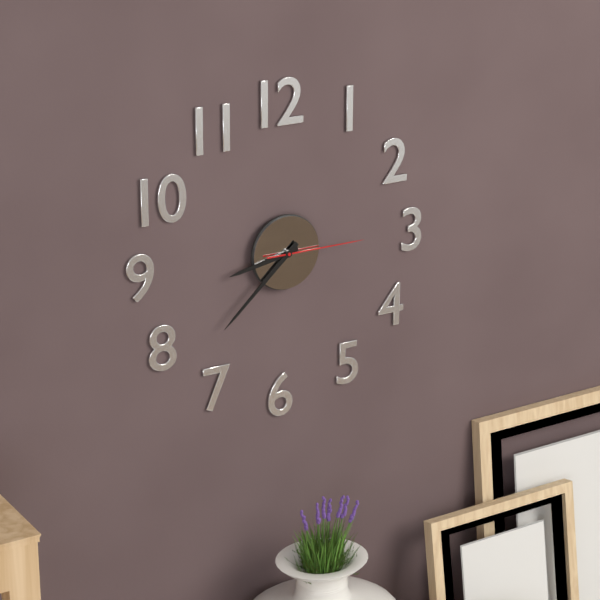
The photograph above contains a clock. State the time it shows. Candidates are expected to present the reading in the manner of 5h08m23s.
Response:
8h38m15s
